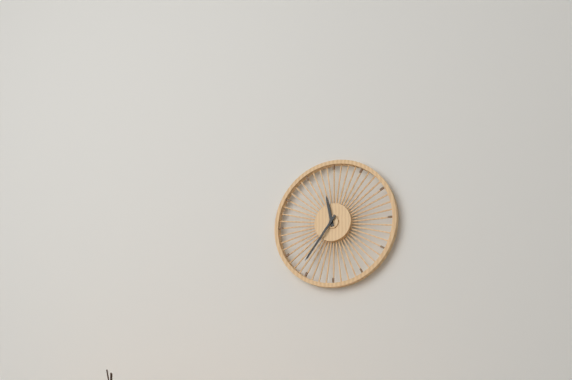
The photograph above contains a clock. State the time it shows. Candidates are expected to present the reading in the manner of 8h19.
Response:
11h36
